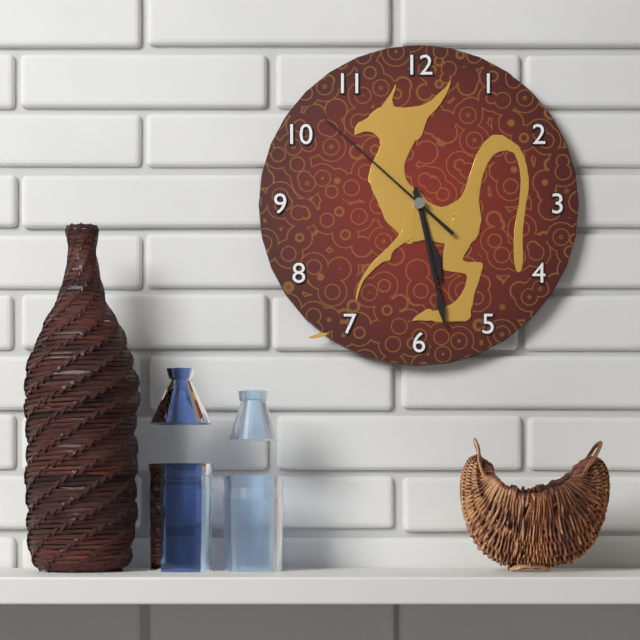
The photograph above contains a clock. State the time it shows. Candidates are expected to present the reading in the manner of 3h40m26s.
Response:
5h28m52s
